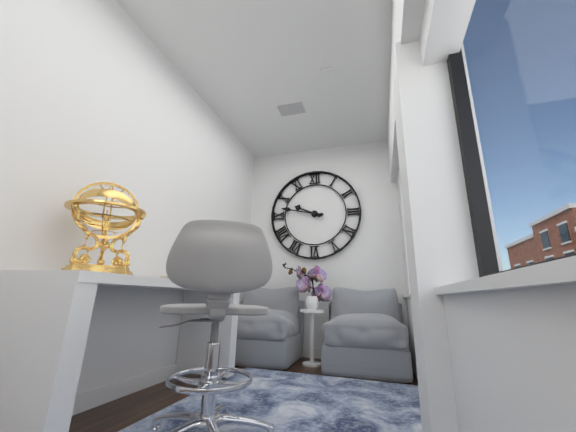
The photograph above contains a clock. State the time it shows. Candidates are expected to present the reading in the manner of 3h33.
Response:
9h47
